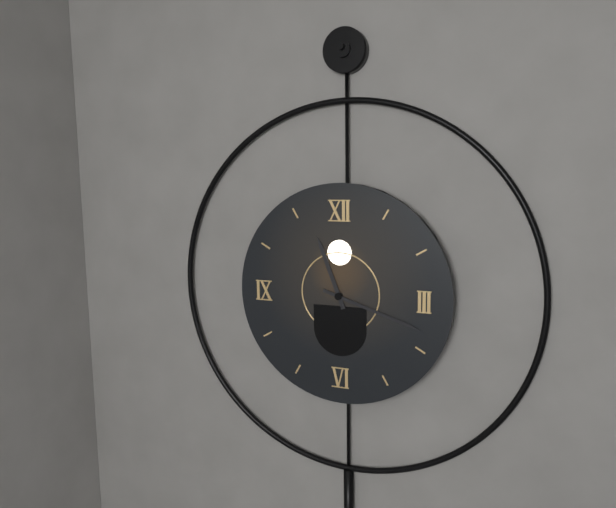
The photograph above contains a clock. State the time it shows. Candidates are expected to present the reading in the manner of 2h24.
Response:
11h18
